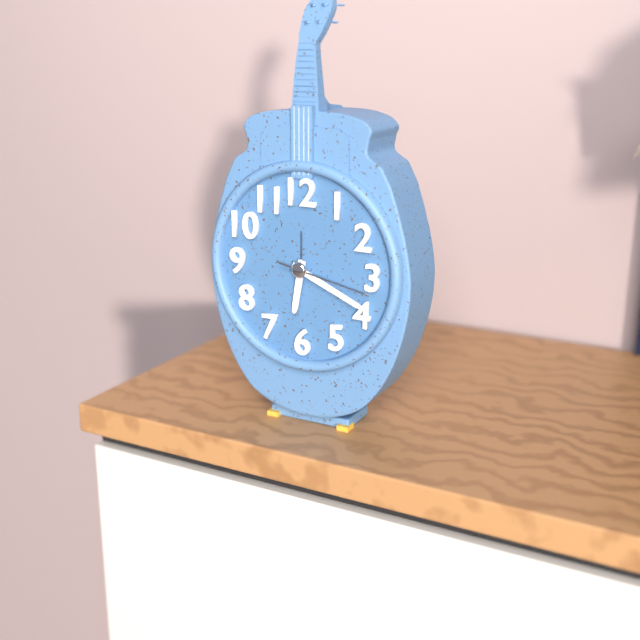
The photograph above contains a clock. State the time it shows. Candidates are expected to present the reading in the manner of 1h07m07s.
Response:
6h19m17s
